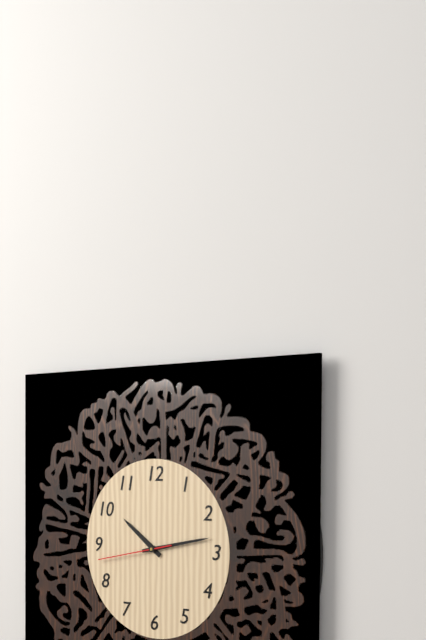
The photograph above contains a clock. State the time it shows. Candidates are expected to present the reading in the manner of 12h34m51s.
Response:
10h13m43s
